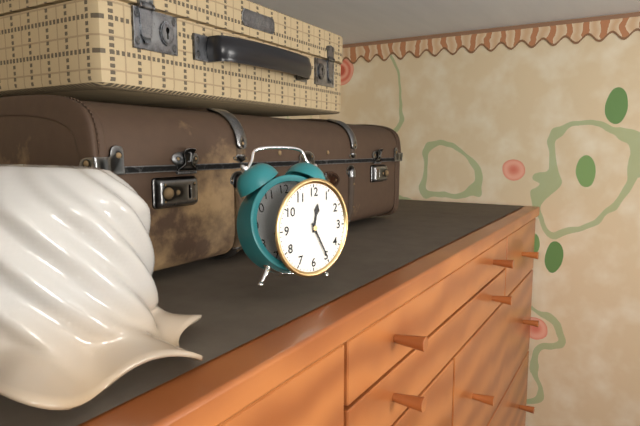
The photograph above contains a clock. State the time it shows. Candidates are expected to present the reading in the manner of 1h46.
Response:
12h25
